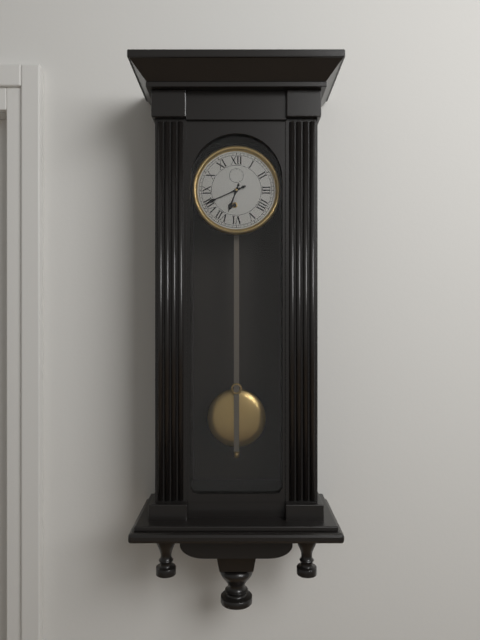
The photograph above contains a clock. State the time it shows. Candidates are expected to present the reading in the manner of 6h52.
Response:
6h41
